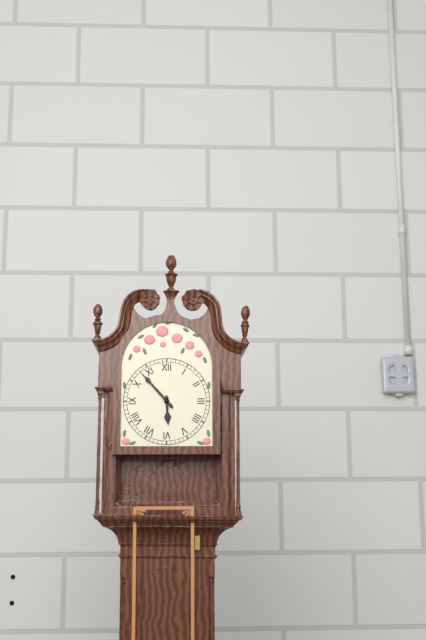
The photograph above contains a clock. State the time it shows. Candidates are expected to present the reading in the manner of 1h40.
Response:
5h53
